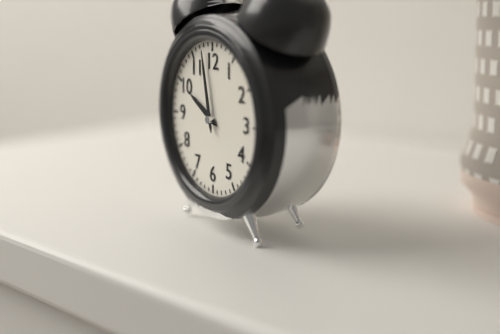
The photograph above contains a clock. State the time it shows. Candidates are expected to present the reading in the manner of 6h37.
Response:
9h58
